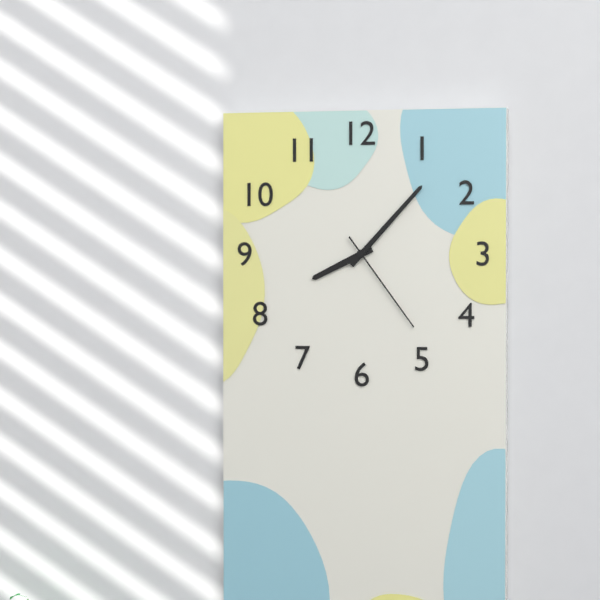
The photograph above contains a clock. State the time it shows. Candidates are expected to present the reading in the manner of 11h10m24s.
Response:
8h07m24s
